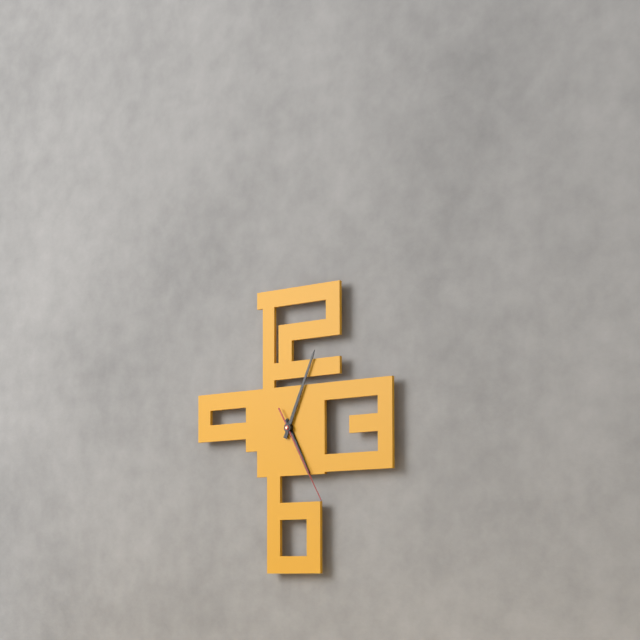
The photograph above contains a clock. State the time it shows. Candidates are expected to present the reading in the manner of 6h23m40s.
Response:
5h04m25s
